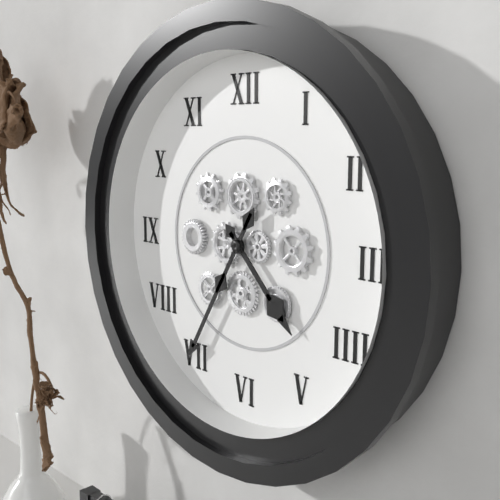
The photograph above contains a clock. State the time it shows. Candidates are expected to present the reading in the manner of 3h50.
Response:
4h35
